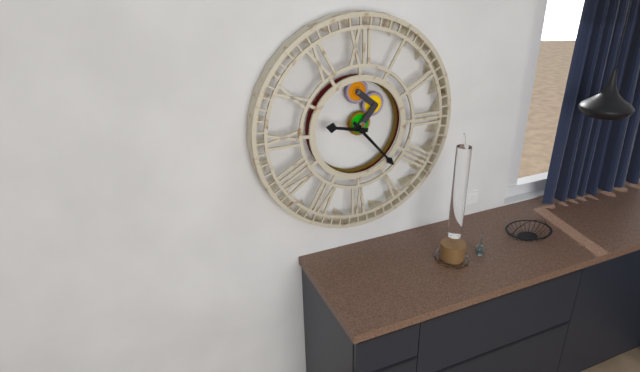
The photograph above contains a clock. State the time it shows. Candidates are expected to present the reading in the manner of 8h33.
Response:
9h23
